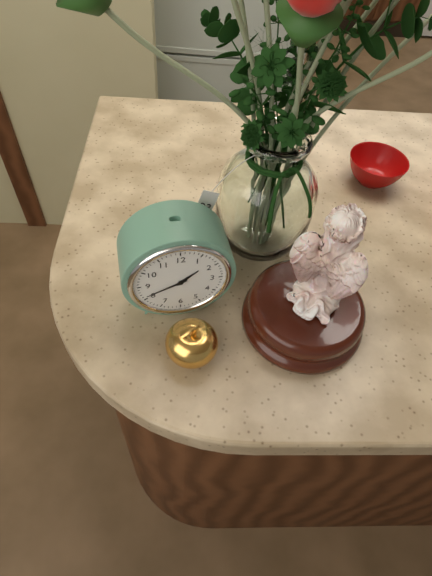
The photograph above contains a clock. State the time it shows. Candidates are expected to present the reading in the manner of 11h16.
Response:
1h41
